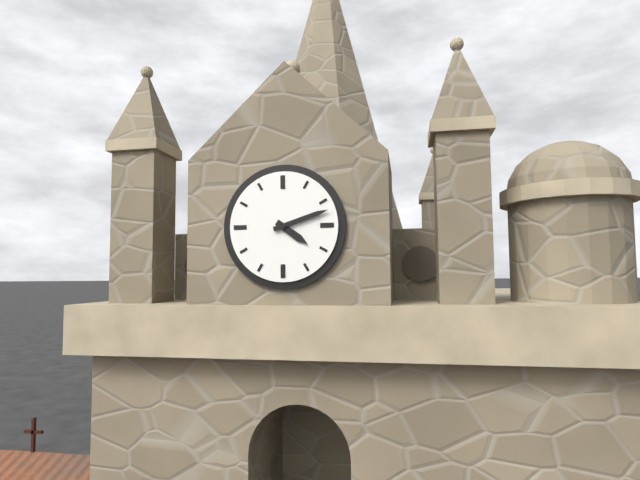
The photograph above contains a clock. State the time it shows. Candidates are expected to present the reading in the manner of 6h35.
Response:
4h12
